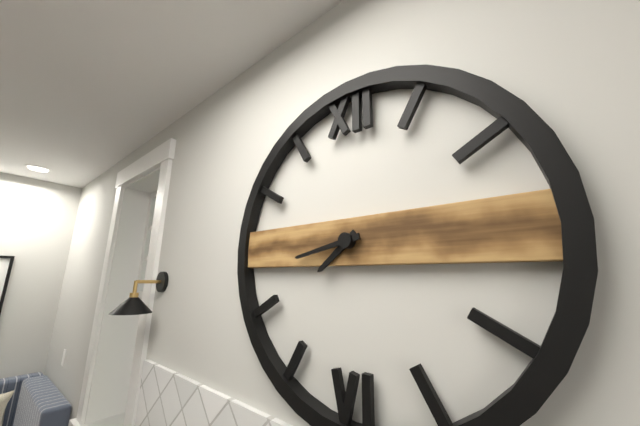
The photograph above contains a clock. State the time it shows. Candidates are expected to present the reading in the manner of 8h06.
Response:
7h43
